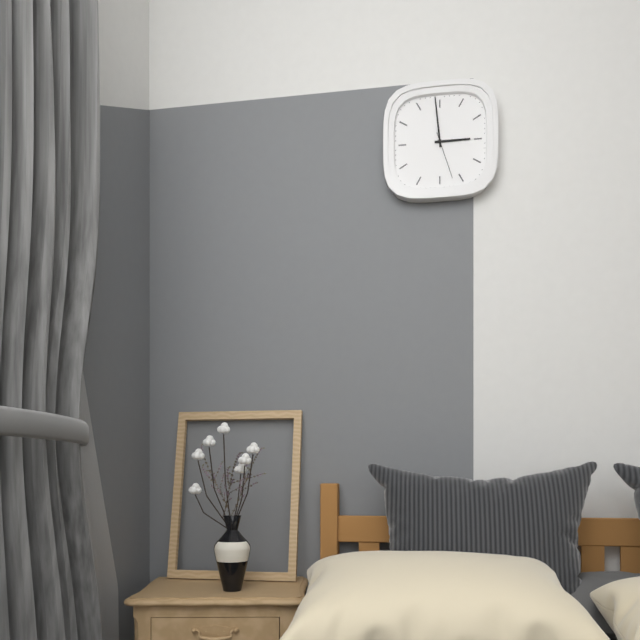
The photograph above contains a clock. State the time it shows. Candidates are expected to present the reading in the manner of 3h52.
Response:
2h59
